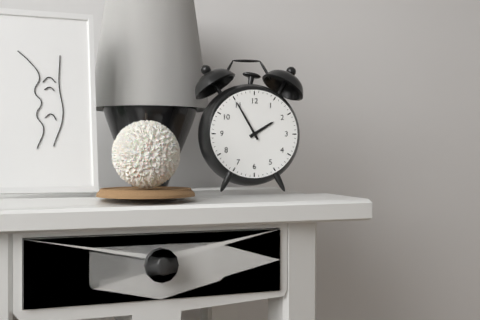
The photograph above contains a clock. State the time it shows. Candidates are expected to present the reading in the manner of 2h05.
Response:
1h55
